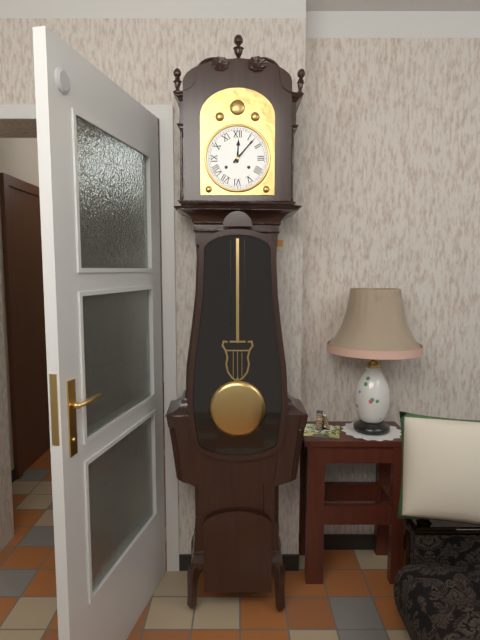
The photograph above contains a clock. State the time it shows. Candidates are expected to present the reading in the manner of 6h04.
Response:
12h07
